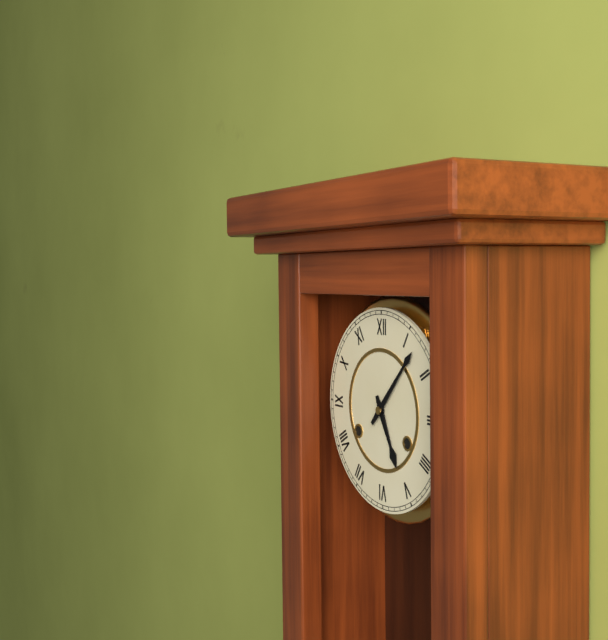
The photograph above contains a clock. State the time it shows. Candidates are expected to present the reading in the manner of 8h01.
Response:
5h07
